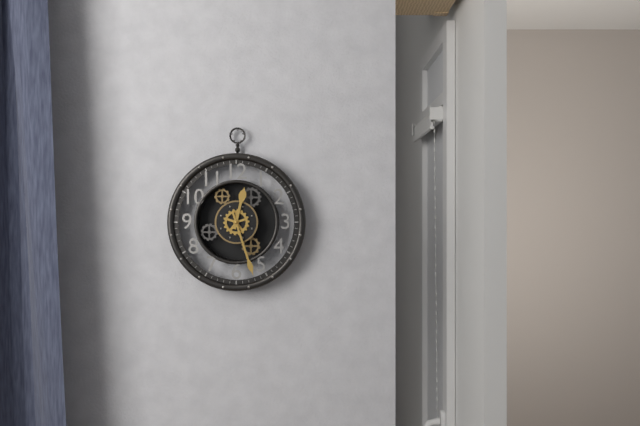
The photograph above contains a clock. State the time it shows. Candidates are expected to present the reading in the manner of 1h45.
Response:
12h27
